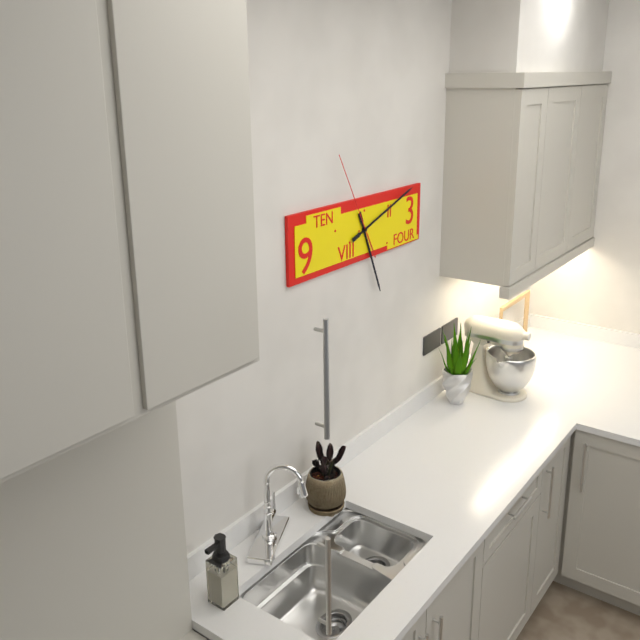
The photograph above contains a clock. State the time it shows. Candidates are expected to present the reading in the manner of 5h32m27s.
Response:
5h12m55s
